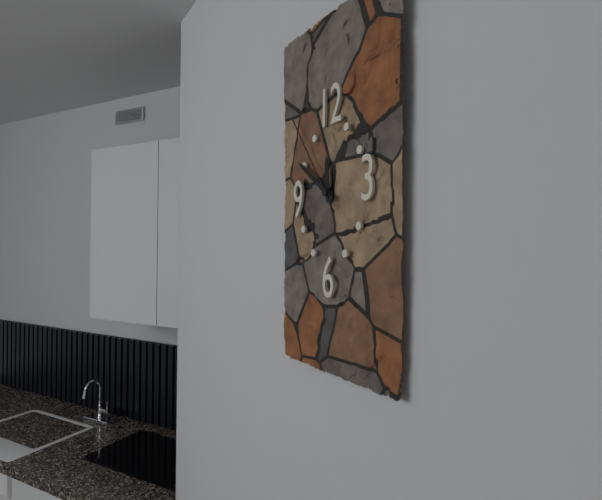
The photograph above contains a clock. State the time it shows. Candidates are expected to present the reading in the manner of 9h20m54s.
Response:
11h51m54s
